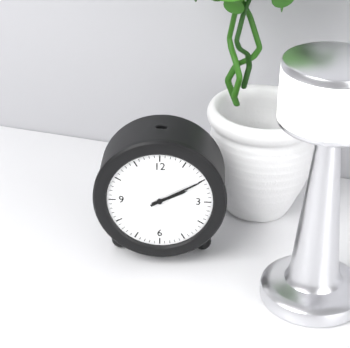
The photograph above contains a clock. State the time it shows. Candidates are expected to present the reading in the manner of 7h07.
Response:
2h10
